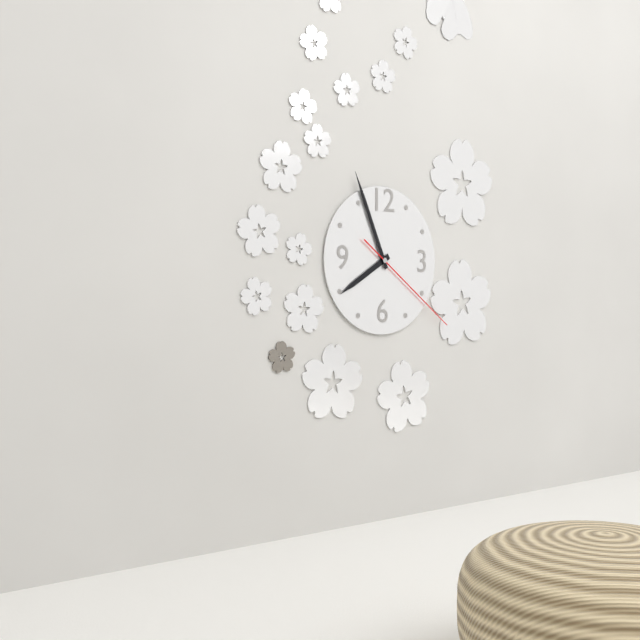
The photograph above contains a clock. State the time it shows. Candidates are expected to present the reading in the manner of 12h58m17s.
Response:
7h56m21s
